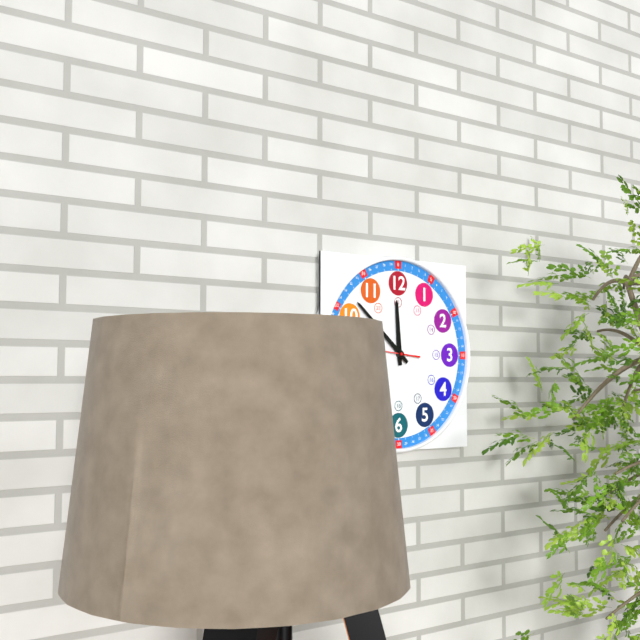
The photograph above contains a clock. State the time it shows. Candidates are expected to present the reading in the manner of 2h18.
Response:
11h52
